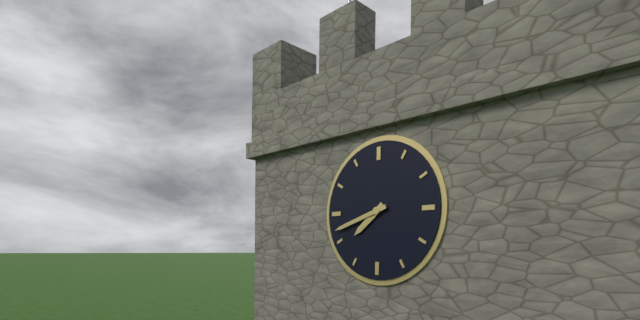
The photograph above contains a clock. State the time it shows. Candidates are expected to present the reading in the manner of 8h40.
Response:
7h42
